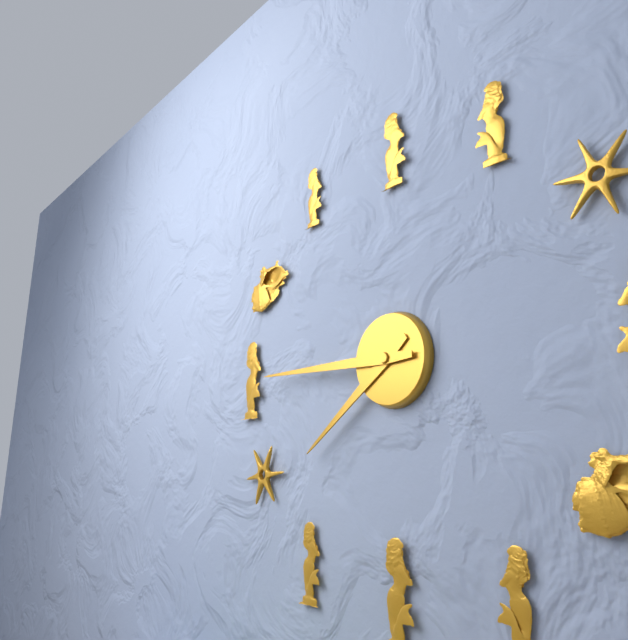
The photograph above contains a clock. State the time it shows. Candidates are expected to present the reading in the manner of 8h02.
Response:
7h45
